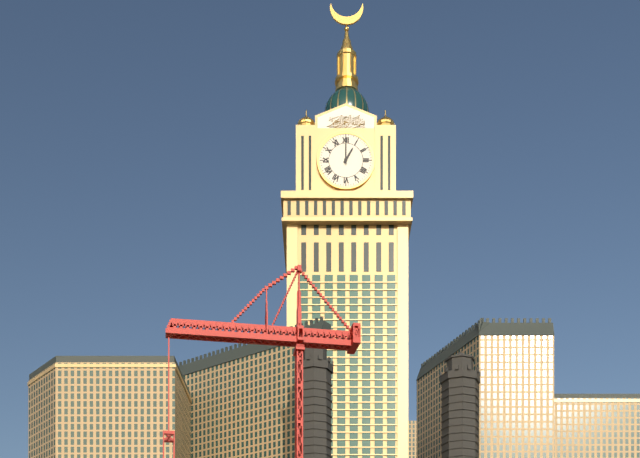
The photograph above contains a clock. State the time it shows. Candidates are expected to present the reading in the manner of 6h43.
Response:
1h00
